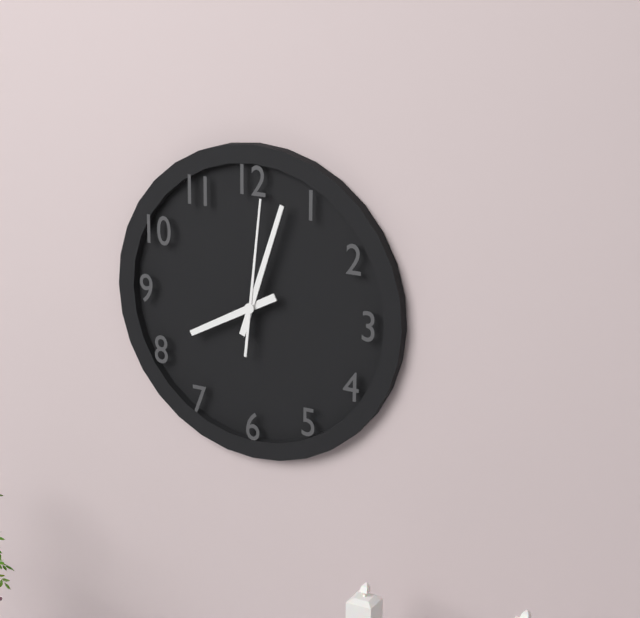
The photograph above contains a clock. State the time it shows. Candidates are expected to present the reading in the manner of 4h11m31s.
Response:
8h03m01s
